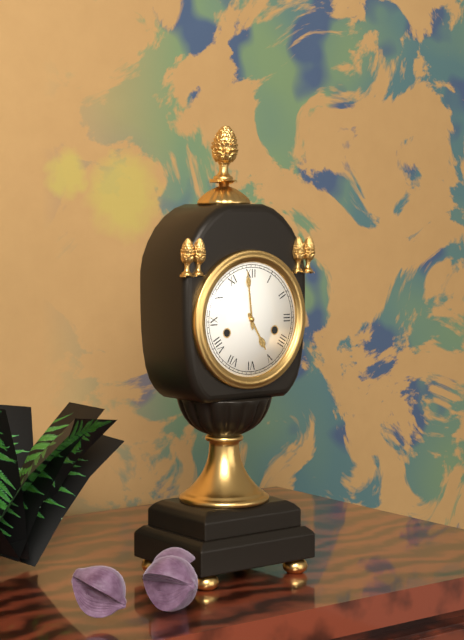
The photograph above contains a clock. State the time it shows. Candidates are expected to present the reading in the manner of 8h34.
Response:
4h59
